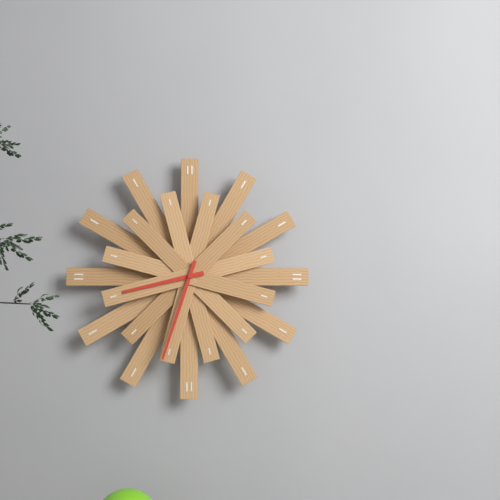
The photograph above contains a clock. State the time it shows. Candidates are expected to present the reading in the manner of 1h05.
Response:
8h33
